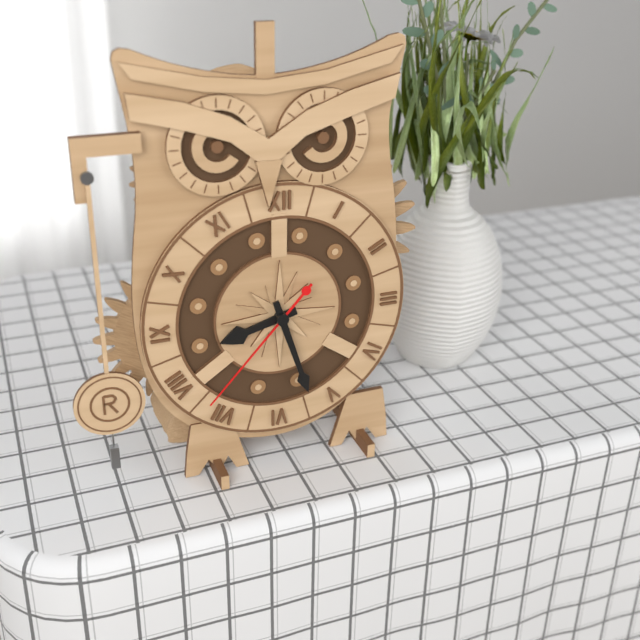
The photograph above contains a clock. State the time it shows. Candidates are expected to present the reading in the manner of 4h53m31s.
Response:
8h27m37s
